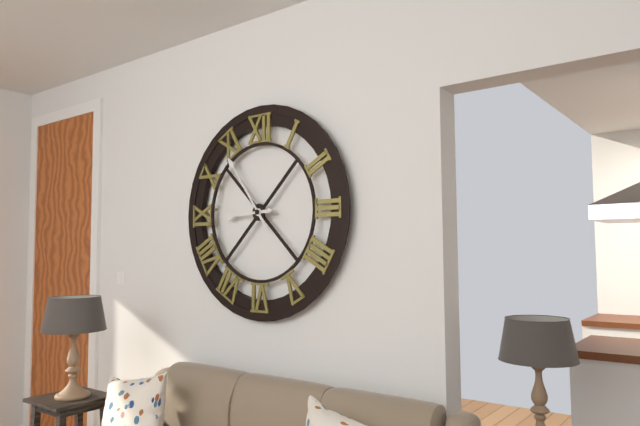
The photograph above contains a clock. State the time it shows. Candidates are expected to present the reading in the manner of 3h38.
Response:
8h54
